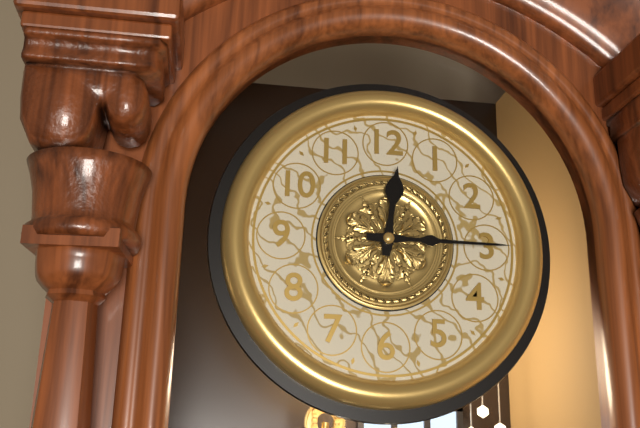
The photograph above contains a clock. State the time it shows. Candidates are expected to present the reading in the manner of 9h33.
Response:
12h15
